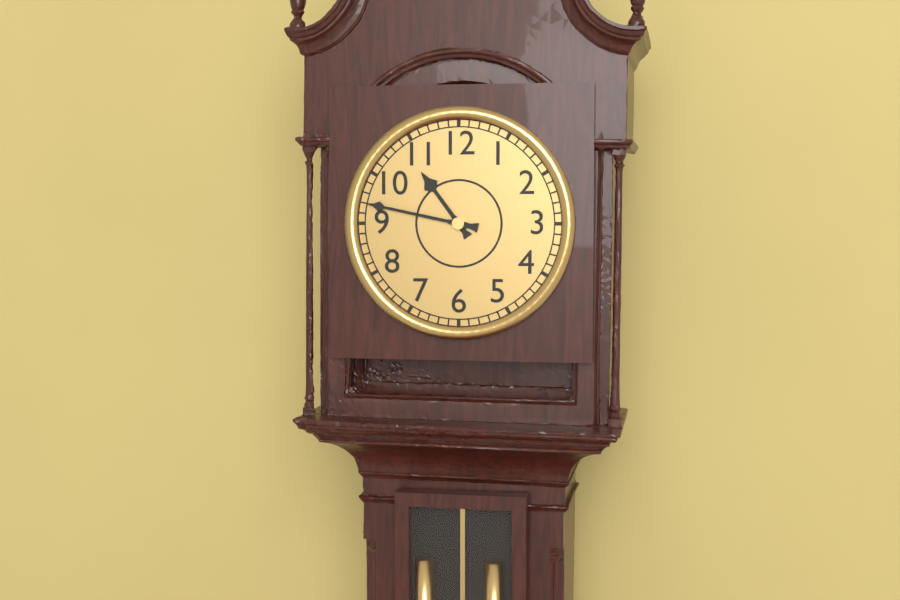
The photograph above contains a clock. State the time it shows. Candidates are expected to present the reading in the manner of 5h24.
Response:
10h47
